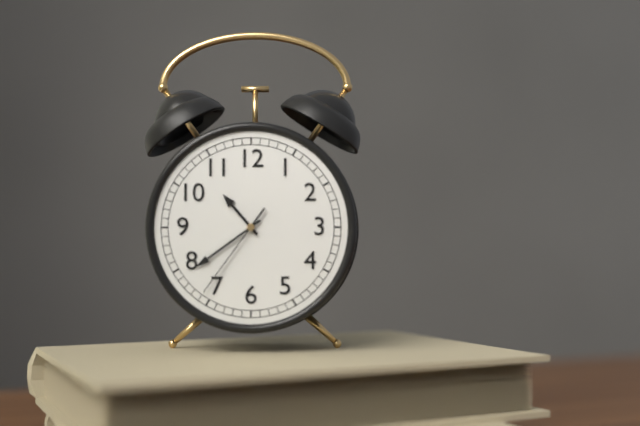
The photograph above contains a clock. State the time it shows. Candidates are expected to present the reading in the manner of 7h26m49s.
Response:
10h39m36s
